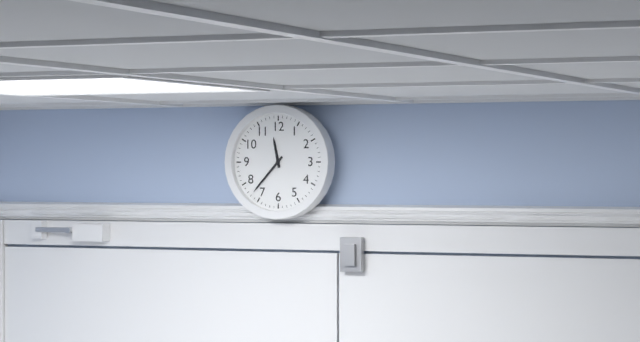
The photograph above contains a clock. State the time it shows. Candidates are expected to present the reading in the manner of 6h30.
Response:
11h37
